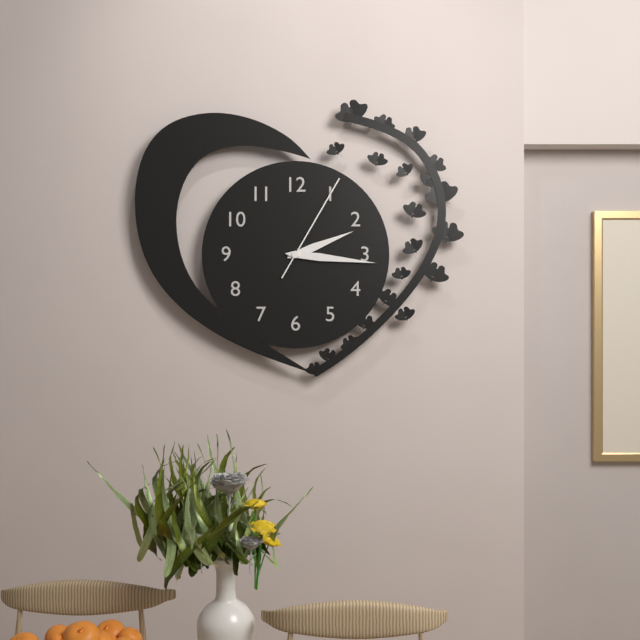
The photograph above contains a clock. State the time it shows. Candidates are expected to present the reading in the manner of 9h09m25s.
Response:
2h16m05s
